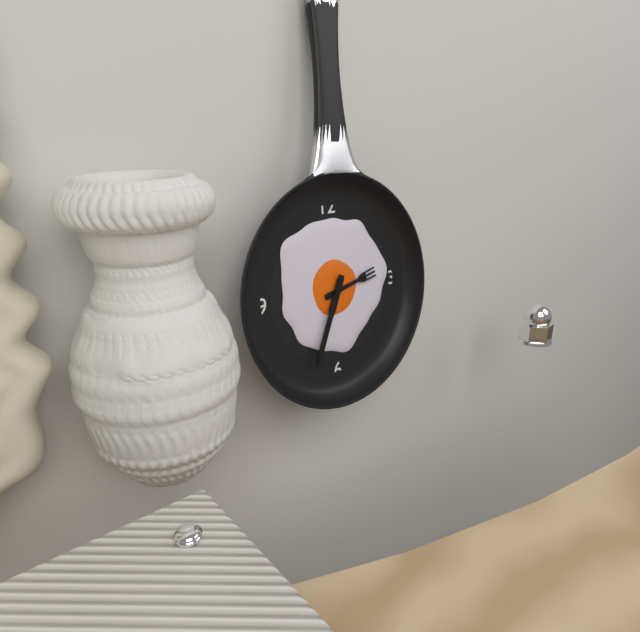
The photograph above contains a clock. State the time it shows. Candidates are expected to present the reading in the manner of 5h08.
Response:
2h34
